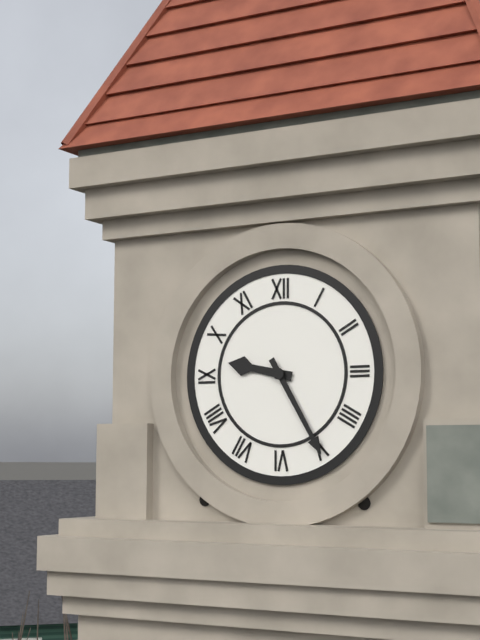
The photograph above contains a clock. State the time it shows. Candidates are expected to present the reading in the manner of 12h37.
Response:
9h25
